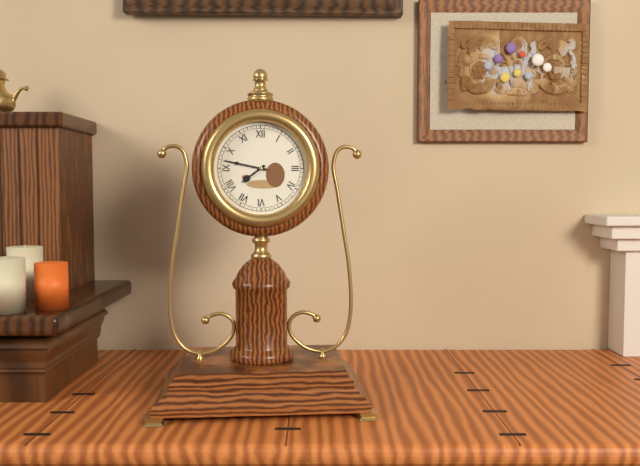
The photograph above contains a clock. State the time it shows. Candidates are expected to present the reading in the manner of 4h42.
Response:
7h47
